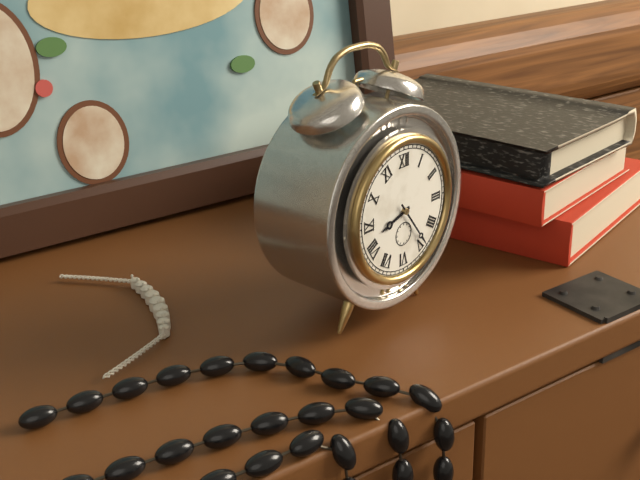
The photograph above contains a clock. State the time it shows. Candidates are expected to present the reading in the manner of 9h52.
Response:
8h24
